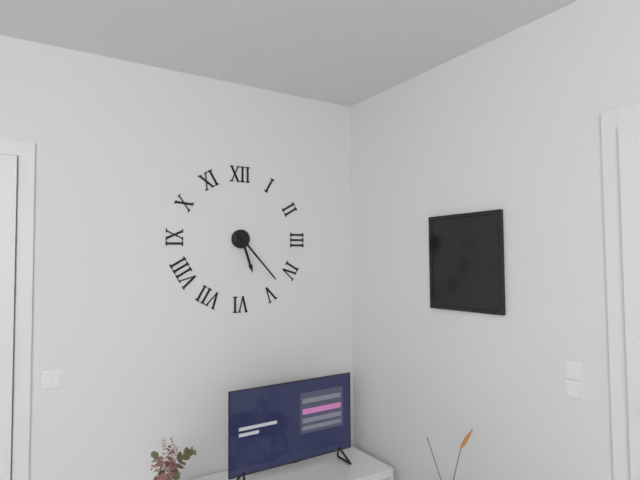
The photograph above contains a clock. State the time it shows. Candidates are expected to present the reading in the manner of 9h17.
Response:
5h23
